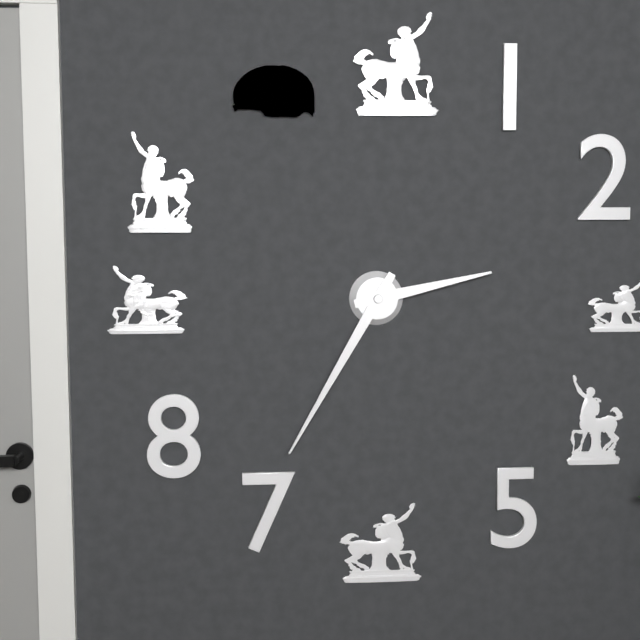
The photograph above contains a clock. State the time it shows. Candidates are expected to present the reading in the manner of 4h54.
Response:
2h35
